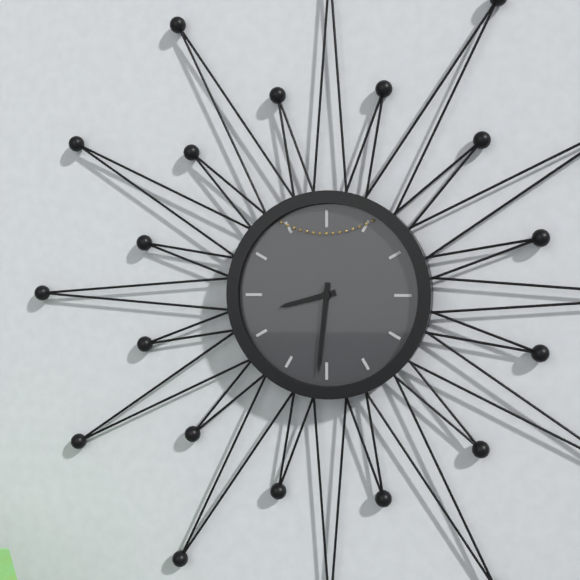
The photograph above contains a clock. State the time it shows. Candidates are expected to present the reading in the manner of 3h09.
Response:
8h31
